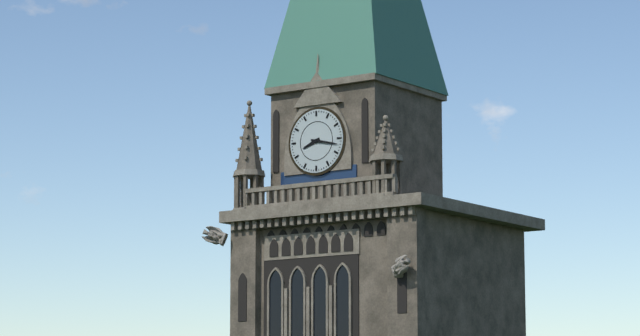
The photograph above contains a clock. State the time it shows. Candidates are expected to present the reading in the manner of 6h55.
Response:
8h17
